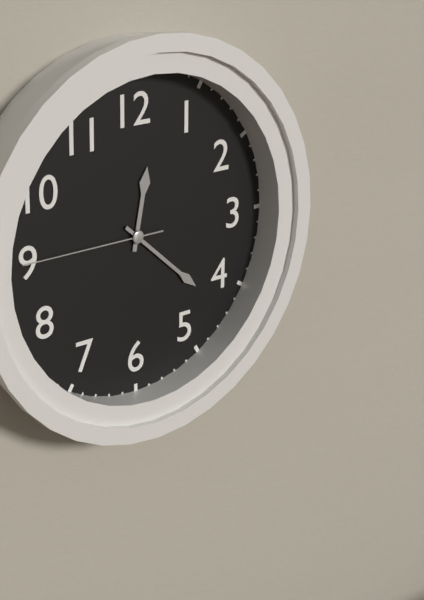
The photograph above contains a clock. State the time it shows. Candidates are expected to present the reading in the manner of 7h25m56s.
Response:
12h22m45s
